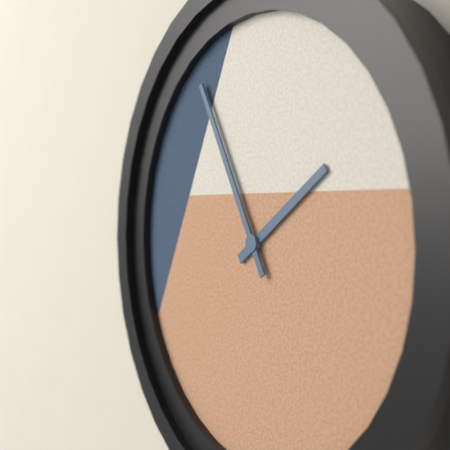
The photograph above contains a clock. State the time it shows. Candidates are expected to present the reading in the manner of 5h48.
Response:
1h55
